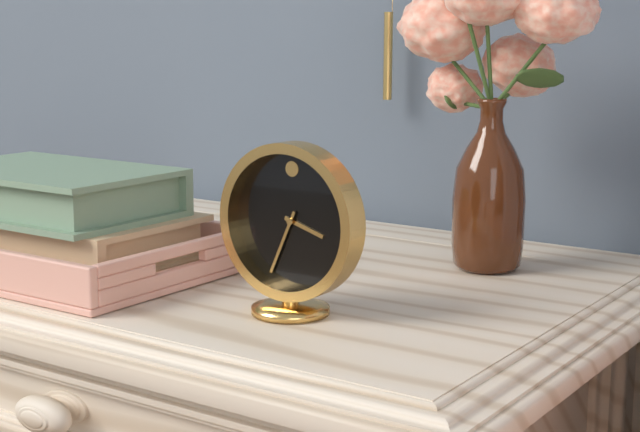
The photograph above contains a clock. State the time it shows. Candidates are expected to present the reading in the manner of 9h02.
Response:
3h34
